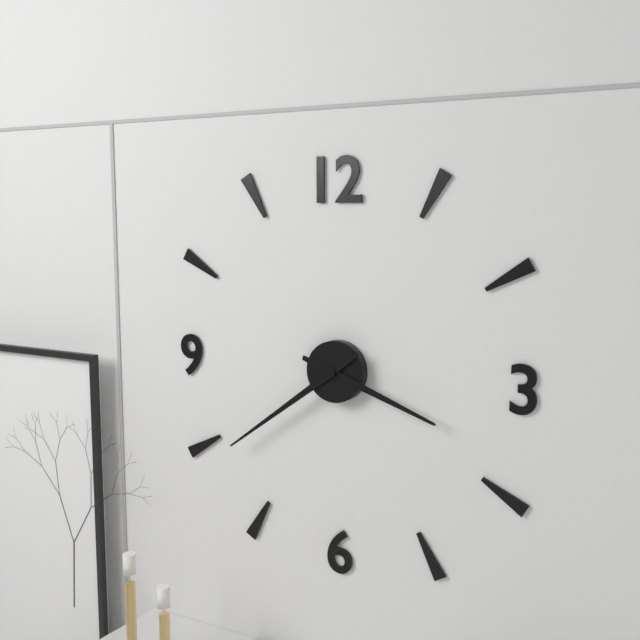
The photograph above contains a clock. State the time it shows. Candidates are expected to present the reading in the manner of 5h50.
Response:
3h39
